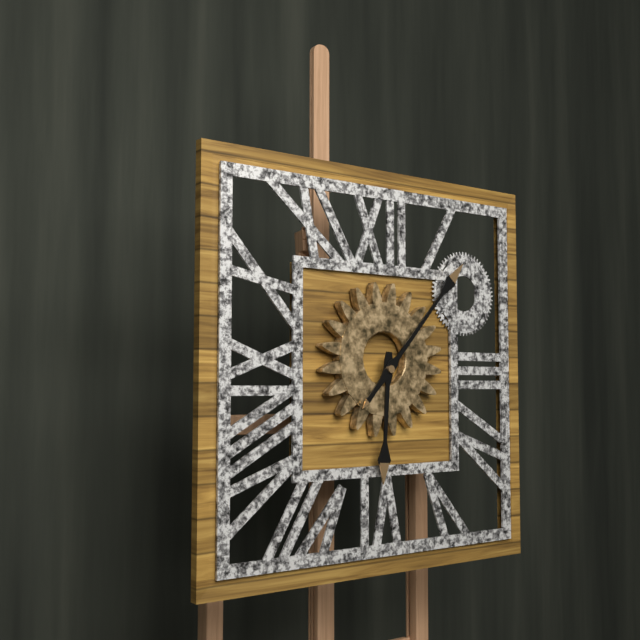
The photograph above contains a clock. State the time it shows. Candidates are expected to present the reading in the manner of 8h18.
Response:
6h07
